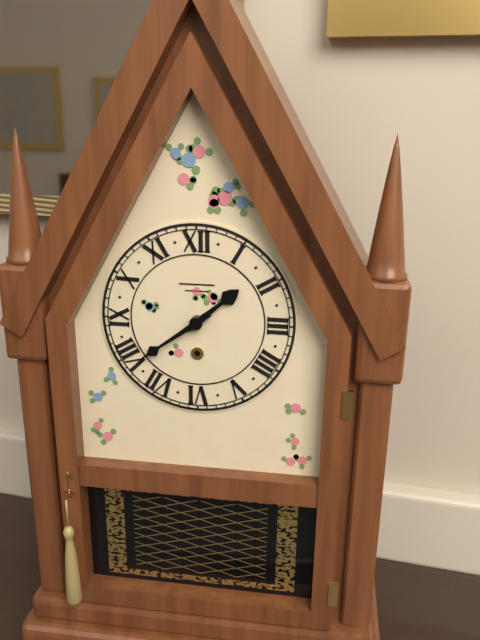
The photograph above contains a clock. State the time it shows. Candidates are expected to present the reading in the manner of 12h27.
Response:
1h39
